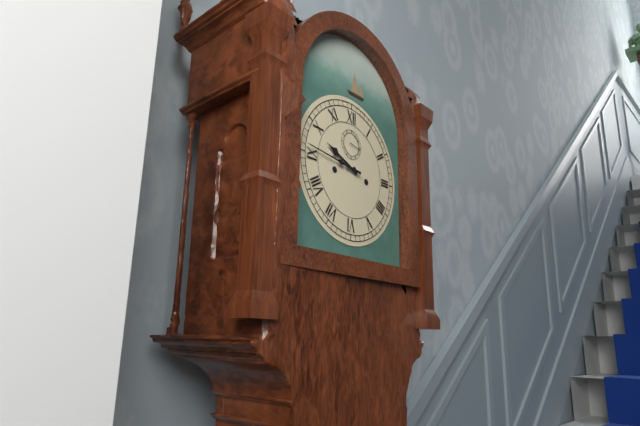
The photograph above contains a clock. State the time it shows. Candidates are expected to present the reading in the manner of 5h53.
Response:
9h46
